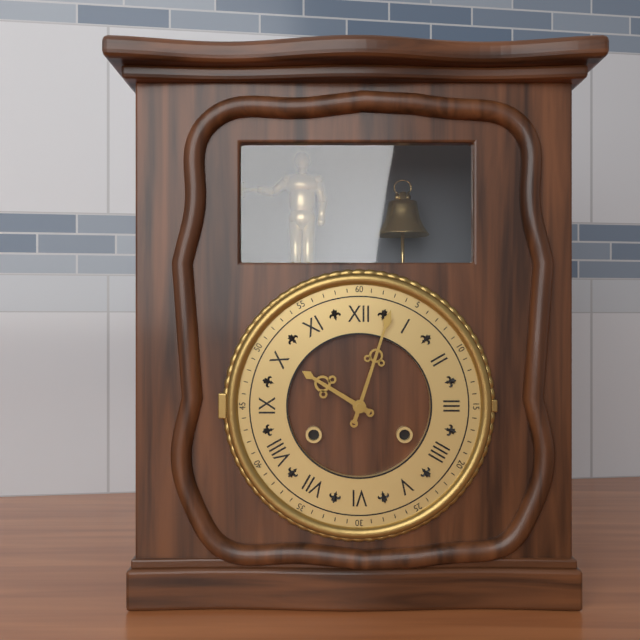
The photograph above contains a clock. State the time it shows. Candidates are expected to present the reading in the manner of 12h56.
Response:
10h03
